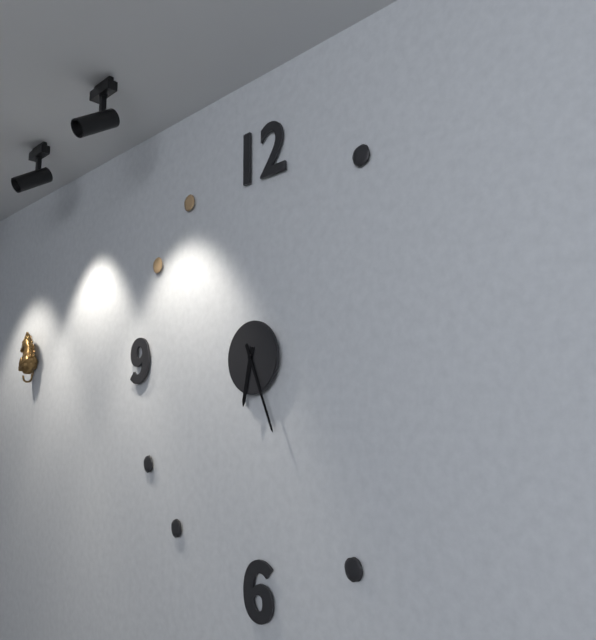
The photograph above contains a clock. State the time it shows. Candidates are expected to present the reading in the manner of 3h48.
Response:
6h26
